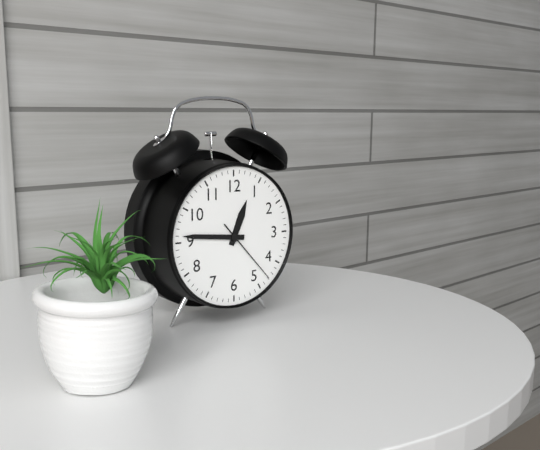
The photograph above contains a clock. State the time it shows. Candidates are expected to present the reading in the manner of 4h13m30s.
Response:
12h46m23s
